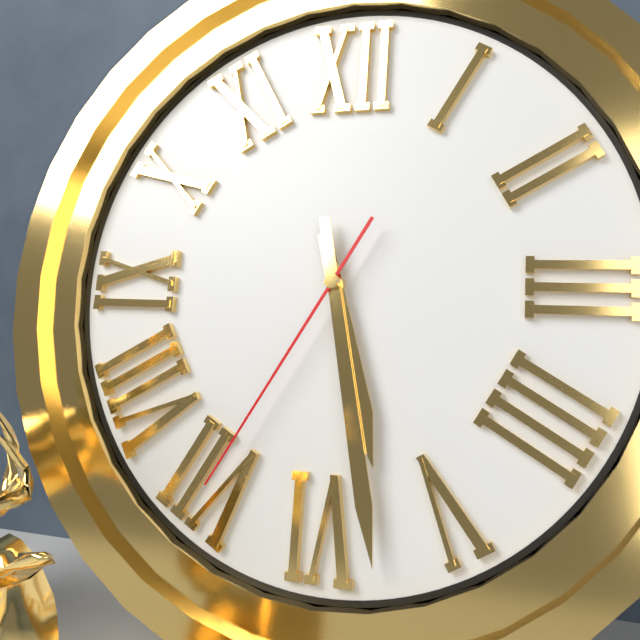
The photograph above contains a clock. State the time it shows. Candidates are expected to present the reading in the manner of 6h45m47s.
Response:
5h28m35s
